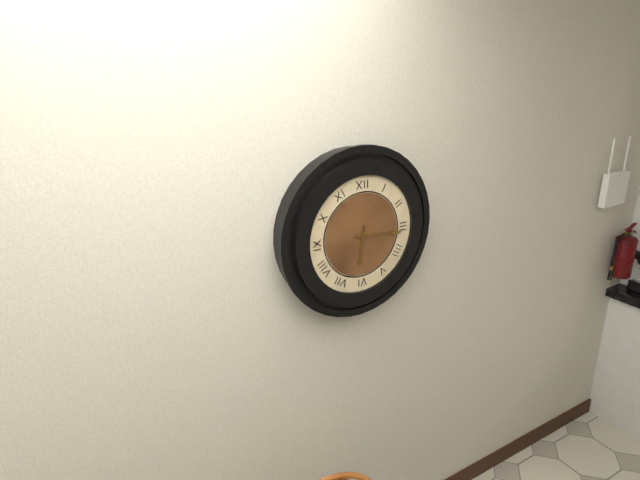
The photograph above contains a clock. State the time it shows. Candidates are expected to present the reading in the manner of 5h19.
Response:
6h16
